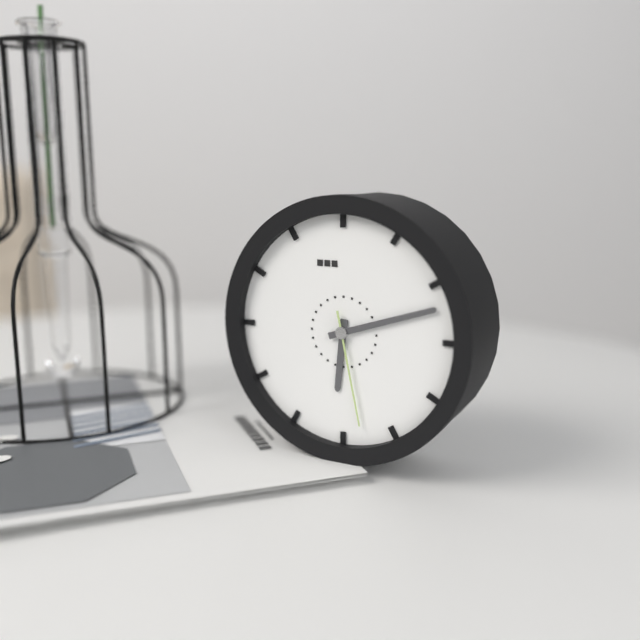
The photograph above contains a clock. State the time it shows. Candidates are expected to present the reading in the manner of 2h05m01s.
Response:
6h12m28s
